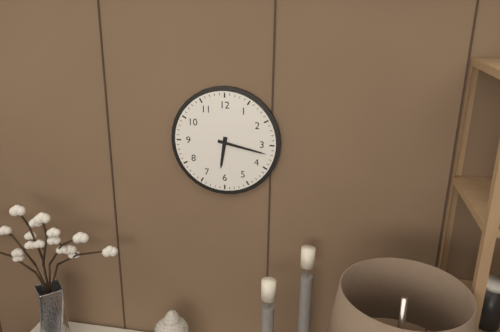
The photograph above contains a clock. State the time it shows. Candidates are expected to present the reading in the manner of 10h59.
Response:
6h17
